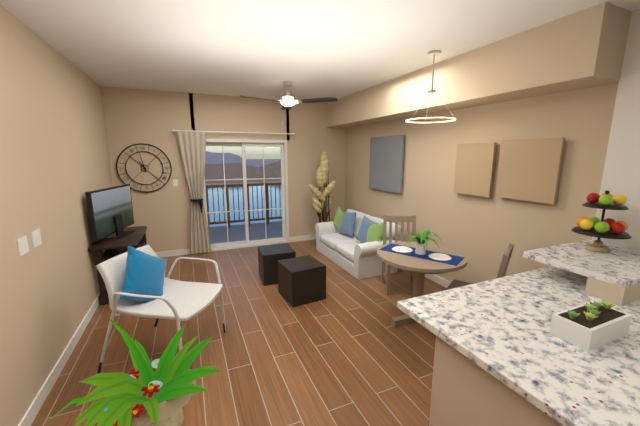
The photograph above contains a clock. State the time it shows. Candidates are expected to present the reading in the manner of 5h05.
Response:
10h58
